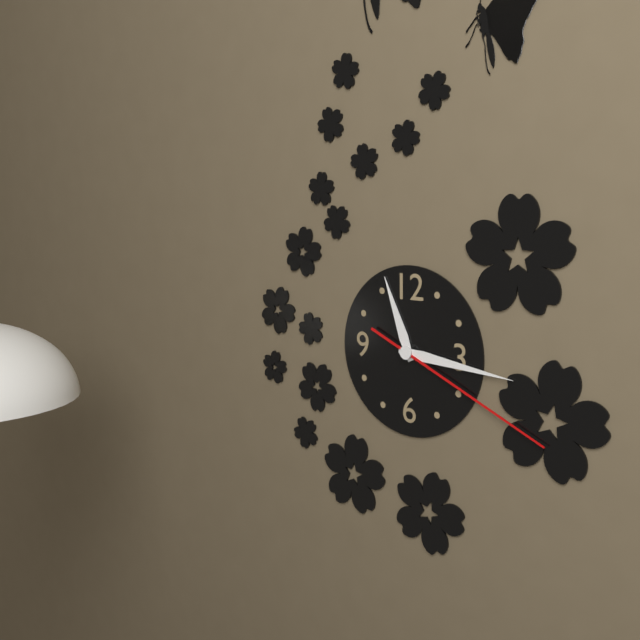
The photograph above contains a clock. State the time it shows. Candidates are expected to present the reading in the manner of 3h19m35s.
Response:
11h16m19s
